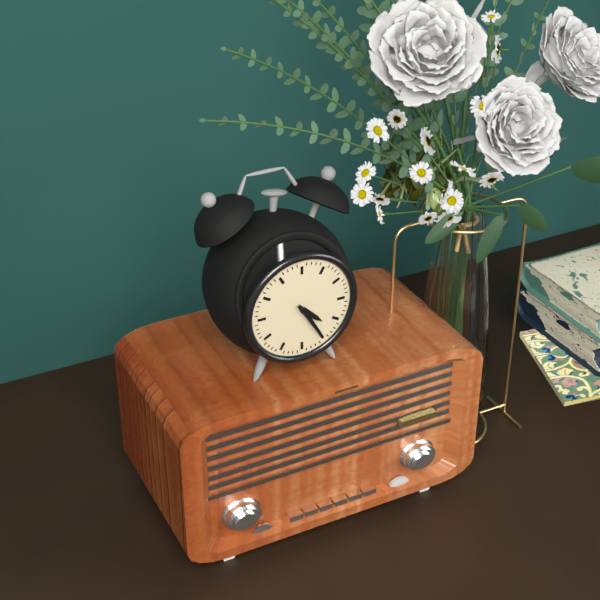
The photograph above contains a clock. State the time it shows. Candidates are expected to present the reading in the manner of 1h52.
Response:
4h25
